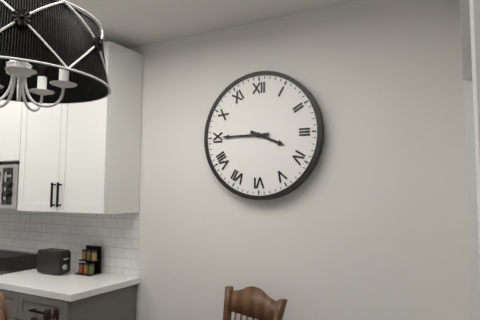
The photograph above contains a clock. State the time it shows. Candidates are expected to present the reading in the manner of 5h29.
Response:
3h45
